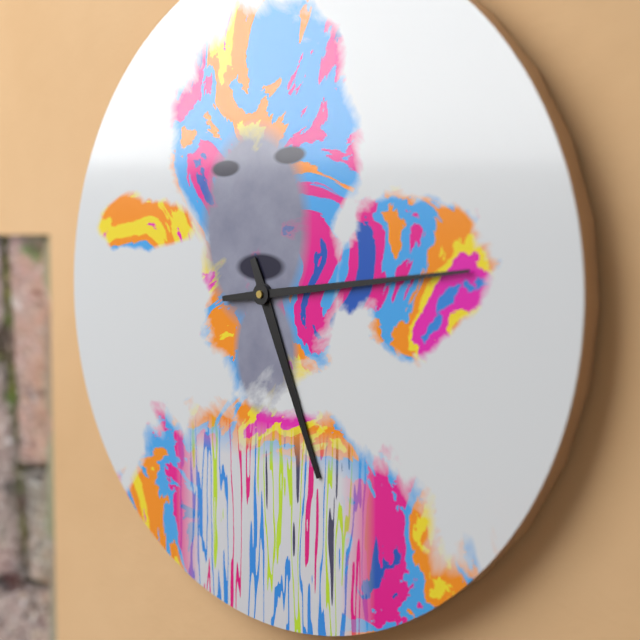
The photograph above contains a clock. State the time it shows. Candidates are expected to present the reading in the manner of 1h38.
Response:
5h14
